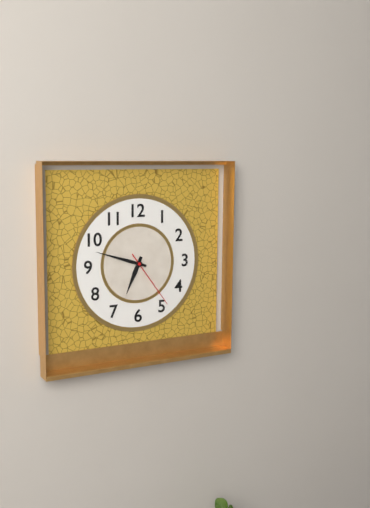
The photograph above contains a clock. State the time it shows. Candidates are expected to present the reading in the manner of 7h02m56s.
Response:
6h48m24s
